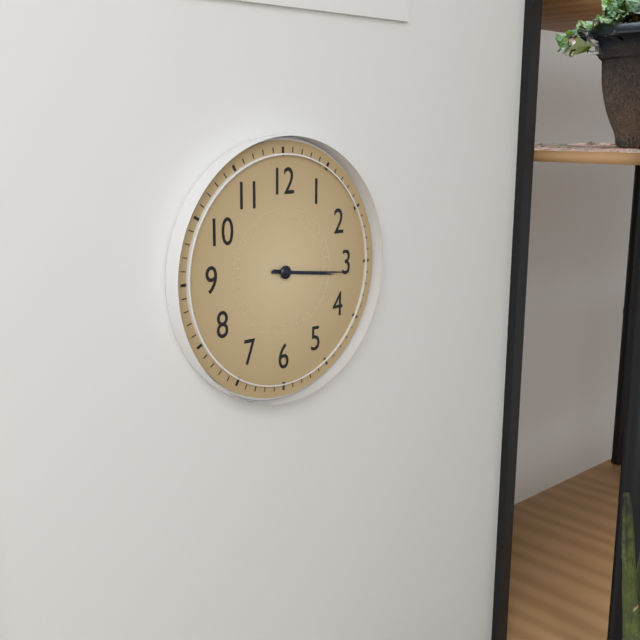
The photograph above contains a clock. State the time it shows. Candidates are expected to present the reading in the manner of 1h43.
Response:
3h16
